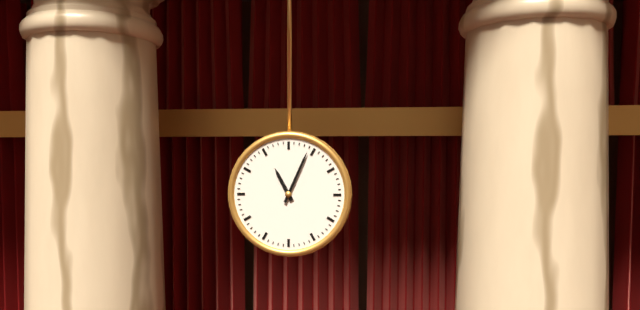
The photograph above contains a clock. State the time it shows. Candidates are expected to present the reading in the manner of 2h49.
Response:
11h04
